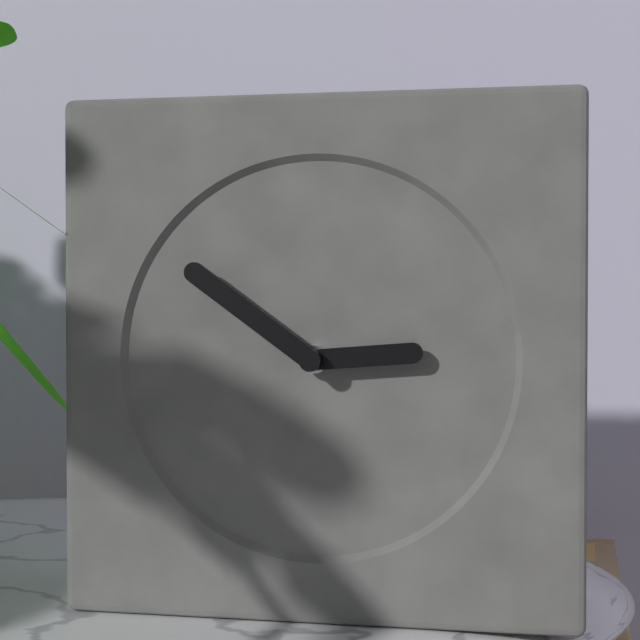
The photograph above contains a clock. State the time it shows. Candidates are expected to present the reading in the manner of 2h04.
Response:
2h51
